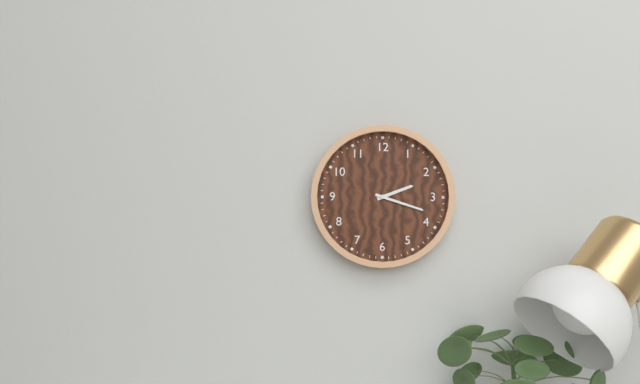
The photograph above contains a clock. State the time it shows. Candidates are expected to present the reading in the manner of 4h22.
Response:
2h18
